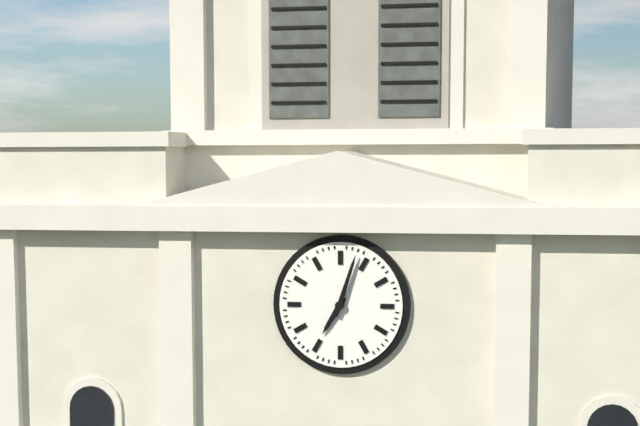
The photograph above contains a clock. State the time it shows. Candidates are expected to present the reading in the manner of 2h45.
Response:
7h03
